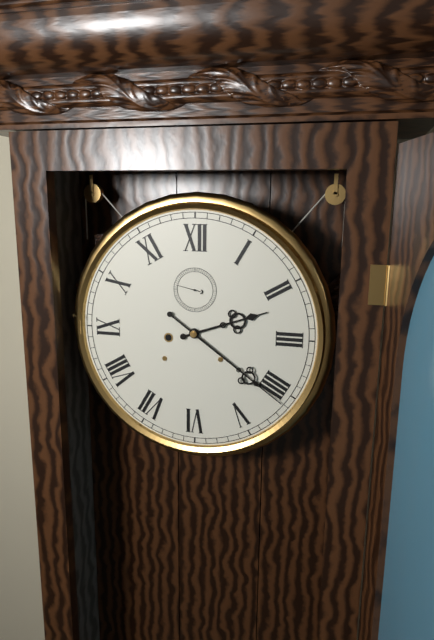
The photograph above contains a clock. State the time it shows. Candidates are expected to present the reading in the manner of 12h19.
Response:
2h21
